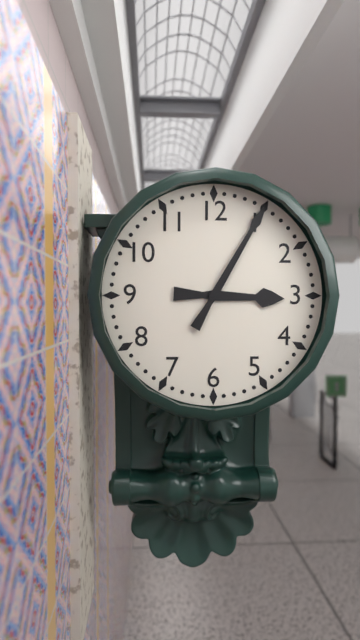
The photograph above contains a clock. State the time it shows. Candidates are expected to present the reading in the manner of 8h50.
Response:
3h05
